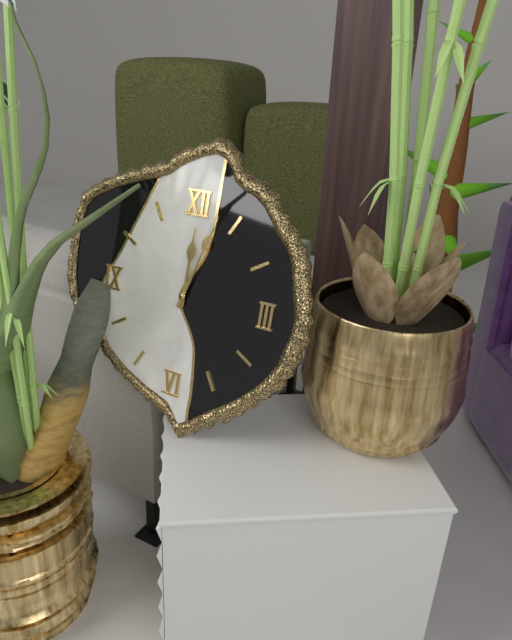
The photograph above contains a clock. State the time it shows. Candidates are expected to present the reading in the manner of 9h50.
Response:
12h03
